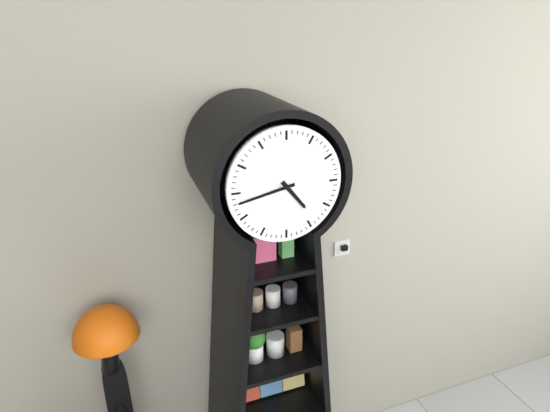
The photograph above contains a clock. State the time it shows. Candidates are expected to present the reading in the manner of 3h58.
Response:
4h43
